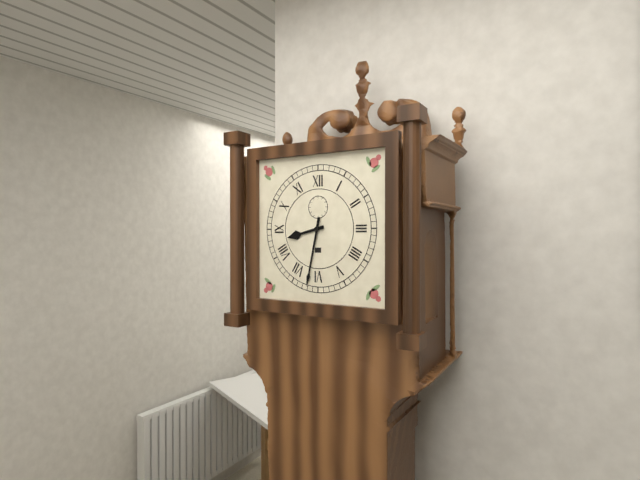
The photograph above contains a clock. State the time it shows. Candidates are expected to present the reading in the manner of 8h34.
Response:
8h32
